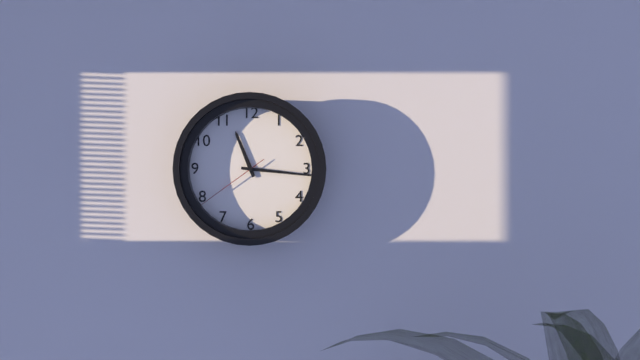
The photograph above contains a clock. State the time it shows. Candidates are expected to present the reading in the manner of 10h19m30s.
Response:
11h16m39s
